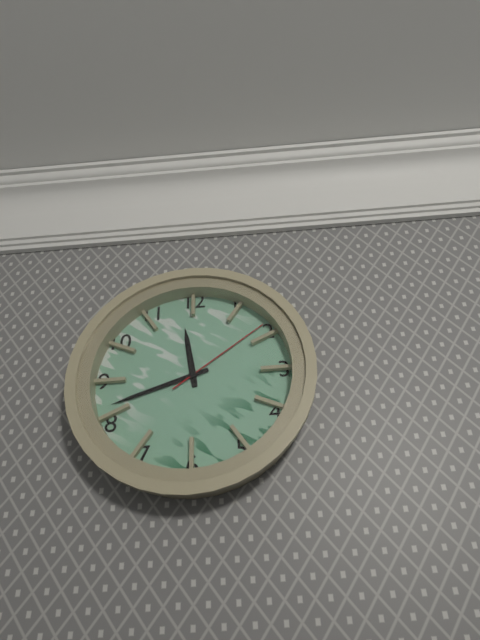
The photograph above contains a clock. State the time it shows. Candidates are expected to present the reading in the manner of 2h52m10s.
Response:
11h42m09s
